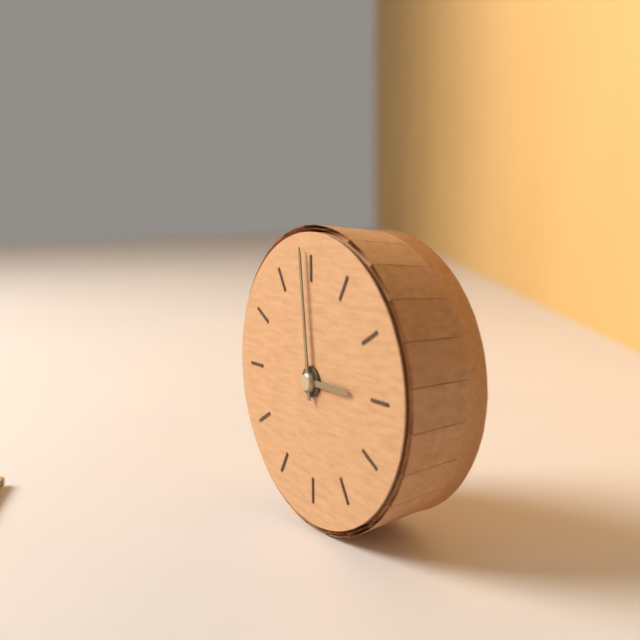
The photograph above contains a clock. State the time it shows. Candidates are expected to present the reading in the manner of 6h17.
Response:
2h59
